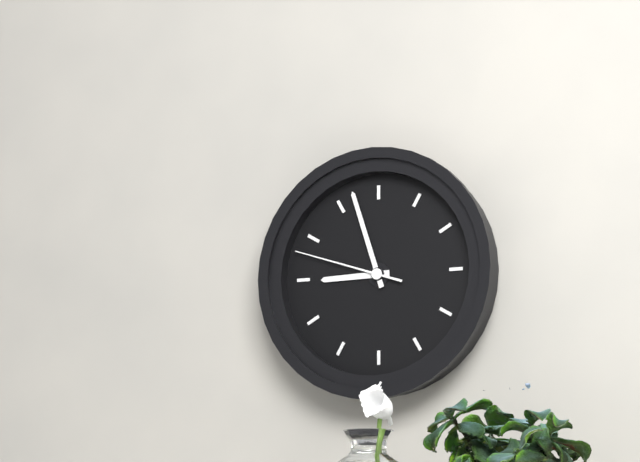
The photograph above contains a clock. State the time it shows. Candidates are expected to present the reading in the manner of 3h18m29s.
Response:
8h57m48s
